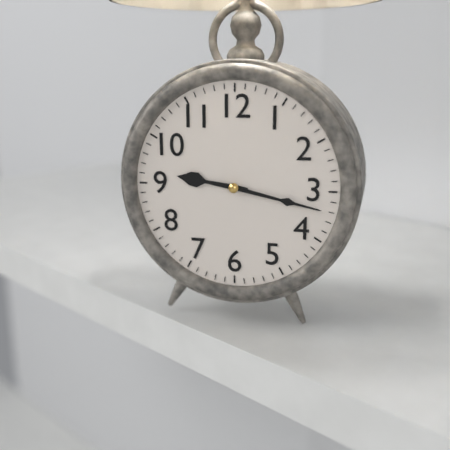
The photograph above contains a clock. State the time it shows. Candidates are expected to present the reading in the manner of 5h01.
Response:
9h17
